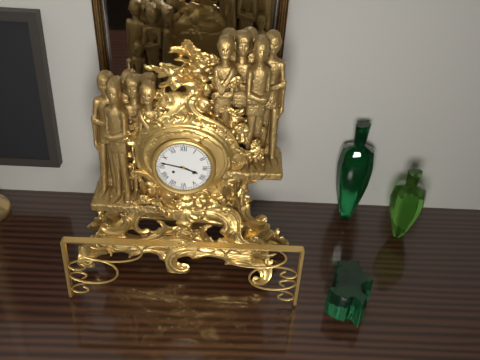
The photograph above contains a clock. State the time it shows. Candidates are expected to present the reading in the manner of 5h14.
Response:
3h47
